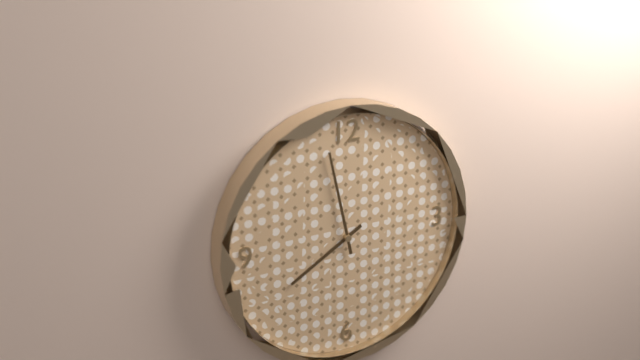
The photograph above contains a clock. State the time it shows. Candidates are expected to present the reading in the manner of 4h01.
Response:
7h58
